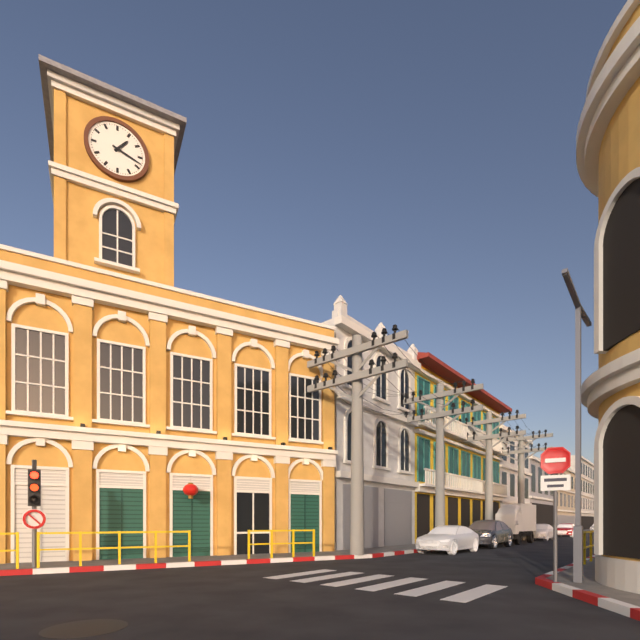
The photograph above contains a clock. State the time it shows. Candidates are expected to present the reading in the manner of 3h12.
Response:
1h18
